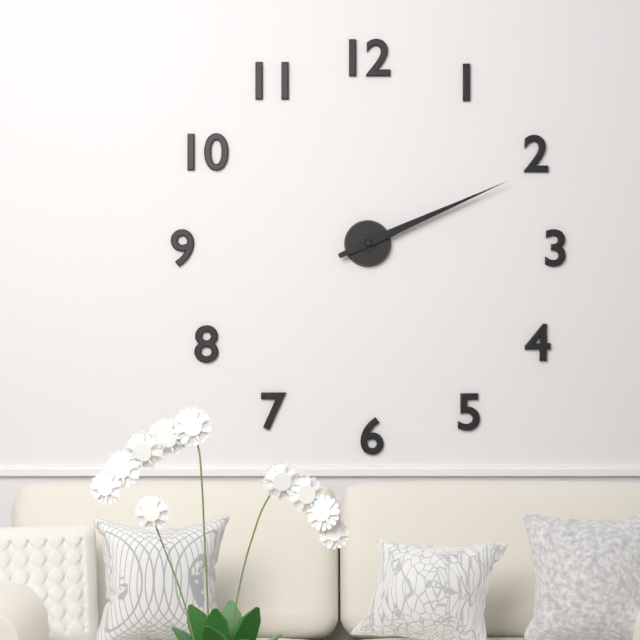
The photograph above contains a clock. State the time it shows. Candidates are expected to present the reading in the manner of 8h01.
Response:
2h11
